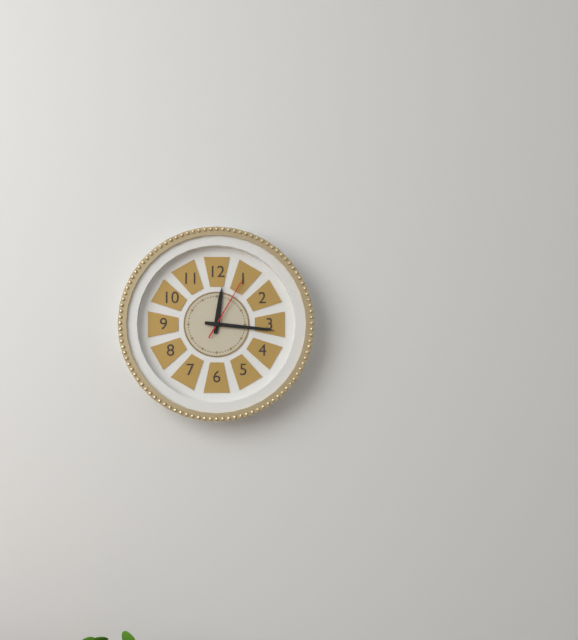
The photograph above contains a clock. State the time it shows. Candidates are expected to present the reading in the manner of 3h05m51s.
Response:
12h16m05s
